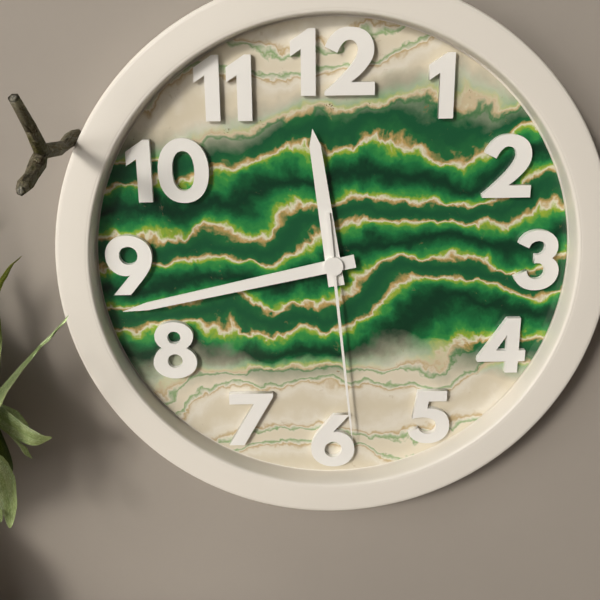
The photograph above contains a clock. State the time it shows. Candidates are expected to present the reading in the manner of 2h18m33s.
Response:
11h43m29s
